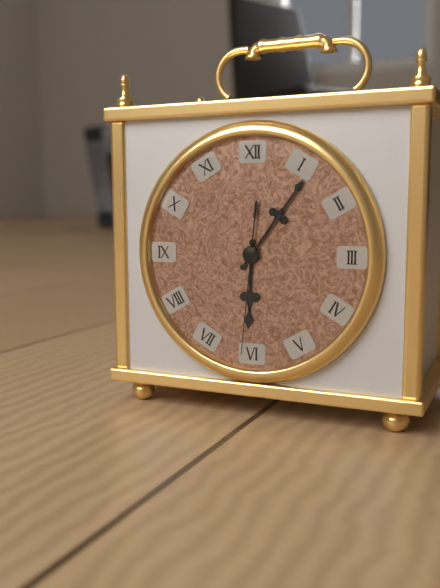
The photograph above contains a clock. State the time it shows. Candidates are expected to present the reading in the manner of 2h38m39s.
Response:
6h06m31s
